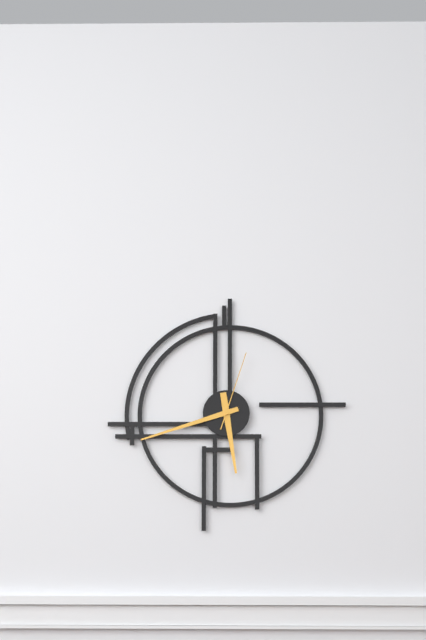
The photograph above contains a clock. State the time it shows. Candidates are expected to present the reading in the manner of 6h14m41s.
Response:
5h42m03s
